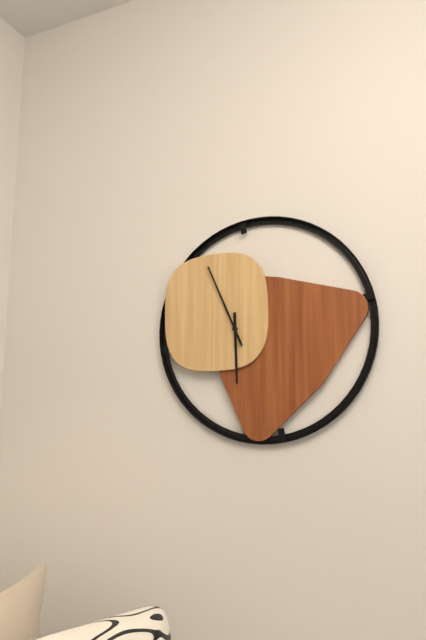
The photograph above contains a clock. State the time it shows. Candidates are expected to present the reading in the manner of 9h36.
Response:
5h56
